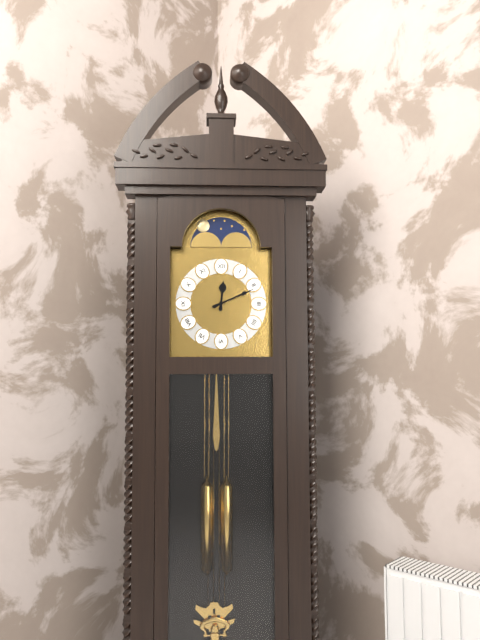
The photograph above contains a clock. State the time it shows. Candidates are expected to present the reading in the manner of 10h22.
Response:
12h11
